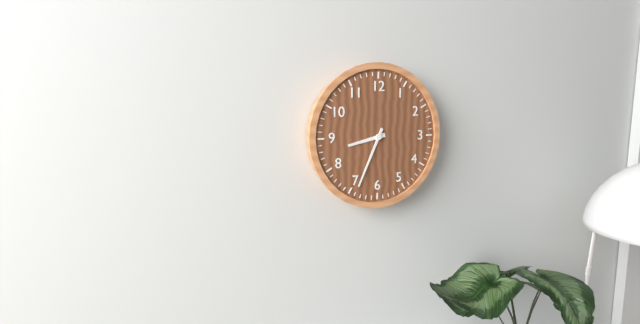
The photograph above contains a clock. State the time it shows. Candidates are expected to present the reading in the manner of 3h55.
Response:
8h34
